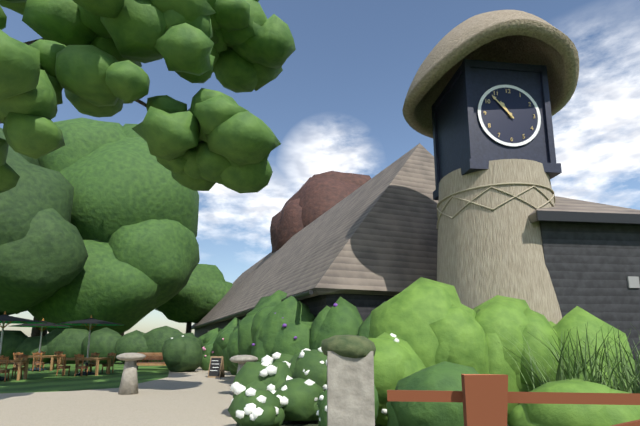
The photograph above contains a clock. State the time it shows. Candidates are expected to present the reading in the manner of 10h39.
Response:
10h53
